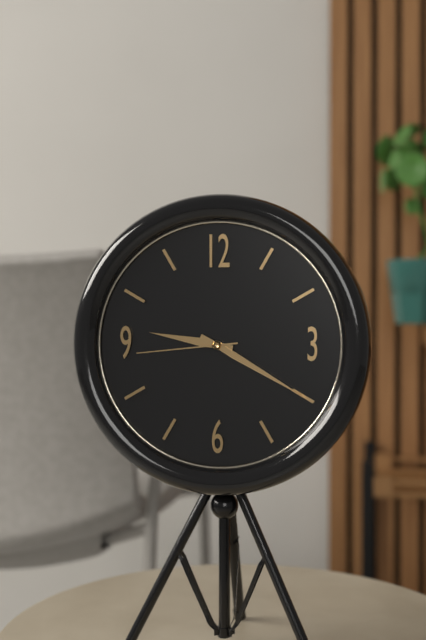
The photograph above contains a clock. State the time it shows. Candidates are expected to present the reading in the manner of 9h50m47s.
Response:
9h20m44s
